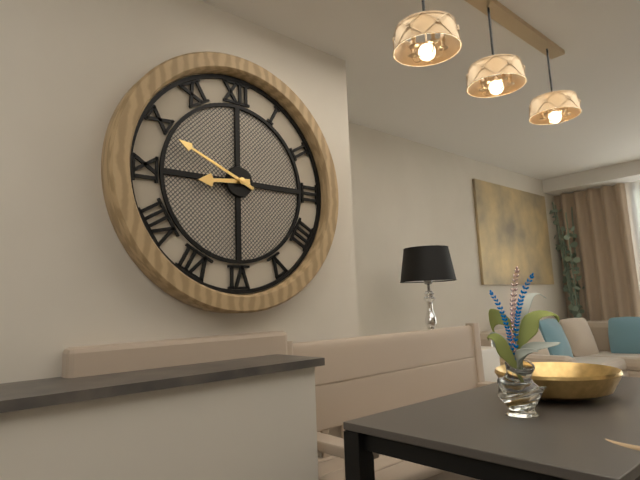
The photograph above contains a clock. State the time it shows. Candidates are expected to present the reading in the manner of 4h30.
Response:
8h49
